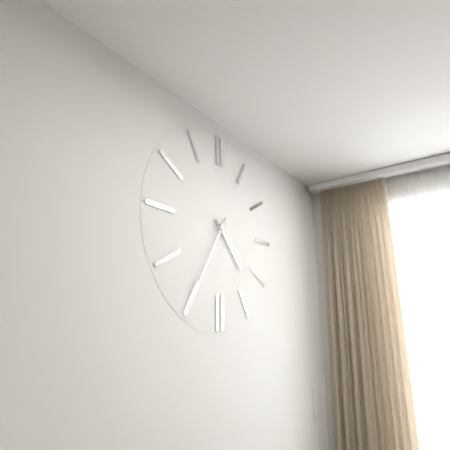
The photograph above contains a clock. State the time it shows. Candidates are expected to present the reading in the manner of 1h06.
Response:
4h35
